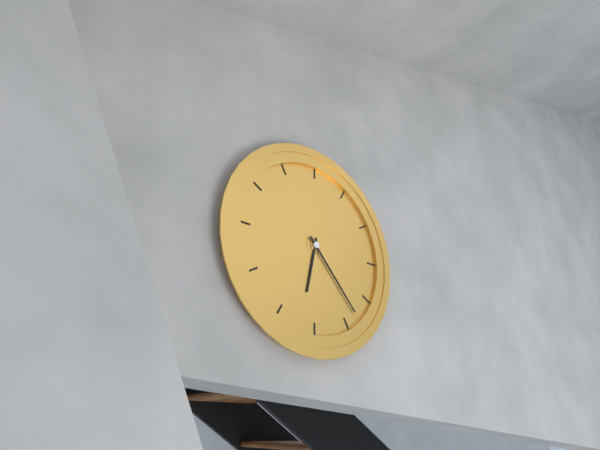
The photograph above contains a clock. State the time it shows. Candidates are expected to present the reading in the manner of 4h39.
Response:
6h23
